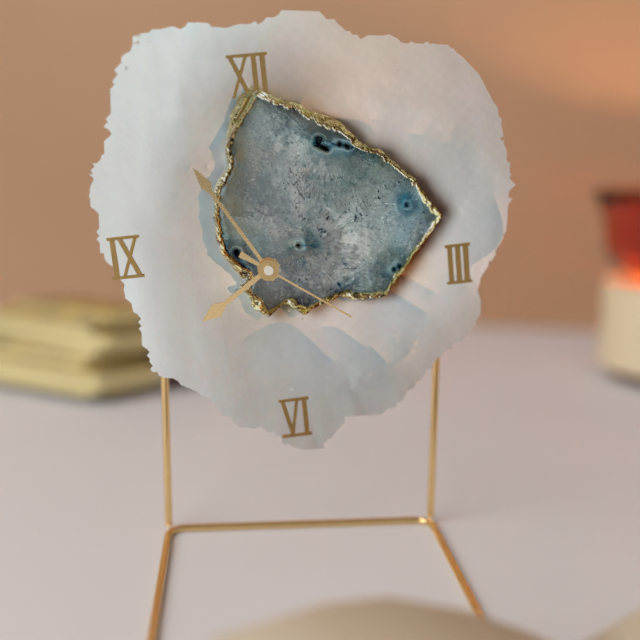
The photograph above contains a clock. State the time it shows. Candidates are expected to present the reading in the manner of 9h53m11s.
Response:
7h55m21s
